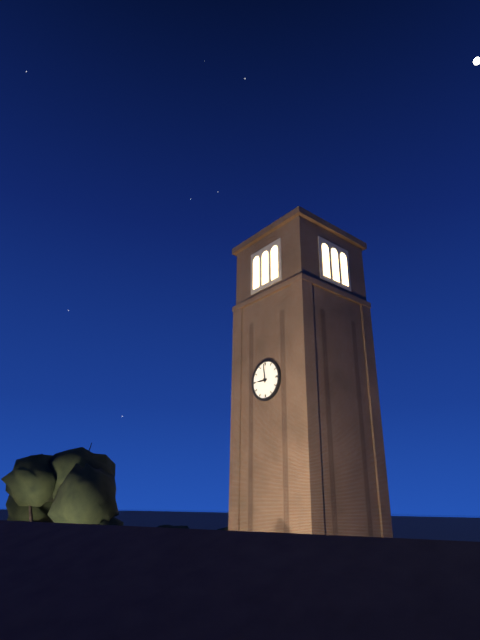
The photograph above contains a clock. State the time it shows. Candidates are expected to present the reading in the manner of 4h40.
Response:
8h59
